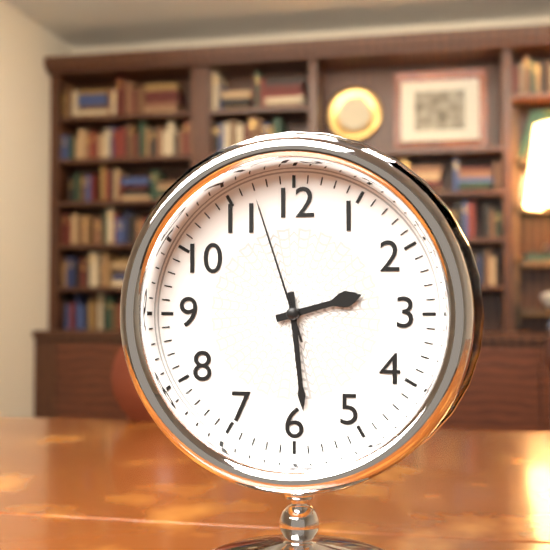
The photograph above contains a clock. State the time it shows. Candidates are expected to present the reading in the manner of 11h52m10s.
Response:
2h29m57s
